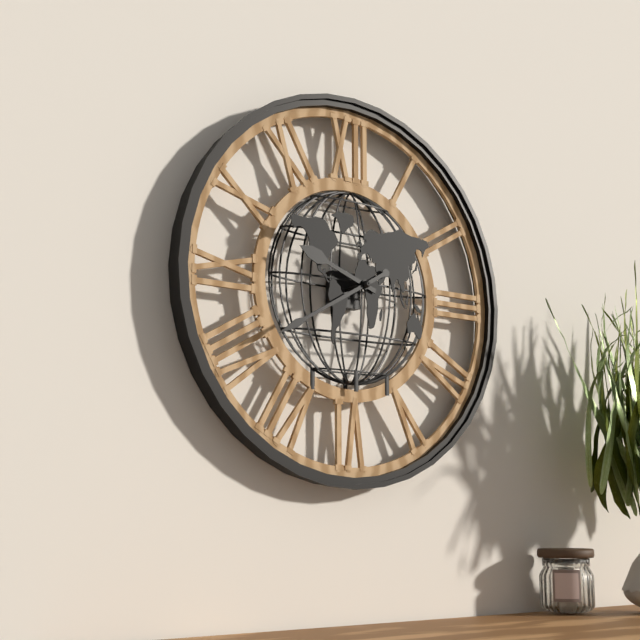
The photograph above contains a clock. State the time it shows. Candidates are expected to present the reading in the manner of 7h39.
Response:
9h40
